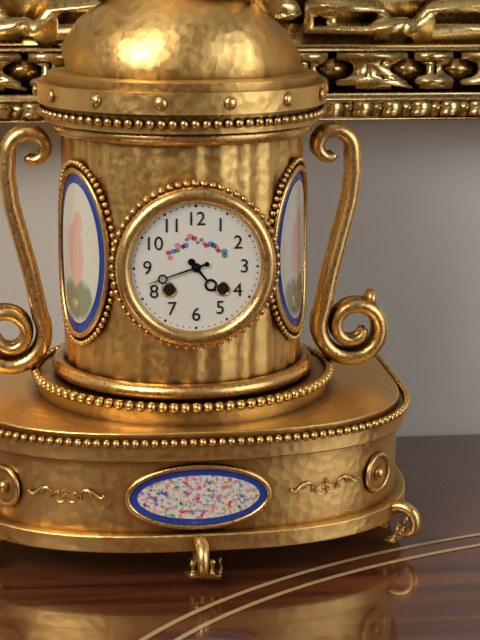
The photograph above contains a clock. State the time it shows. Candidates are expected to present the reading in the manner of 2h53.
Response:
4h42
